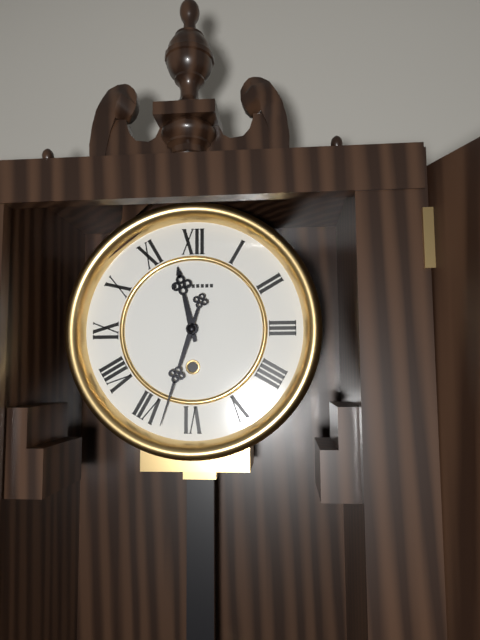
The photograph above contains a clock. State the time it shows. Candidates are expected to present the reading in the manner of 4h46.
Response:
11h33
